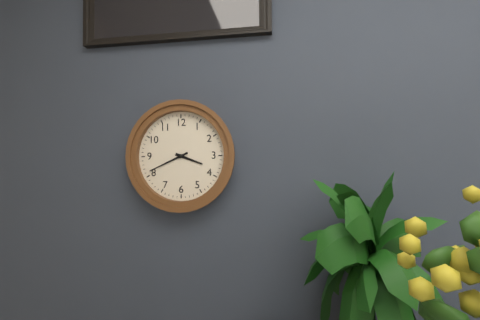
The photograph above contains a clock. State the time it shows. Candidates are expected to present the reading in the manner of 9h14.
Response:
3h41
